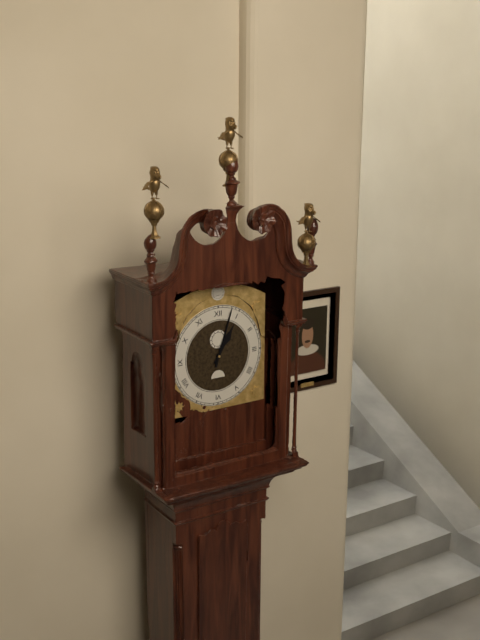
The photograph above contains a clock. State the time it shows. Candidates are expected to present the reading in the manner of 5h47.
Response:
1h03
